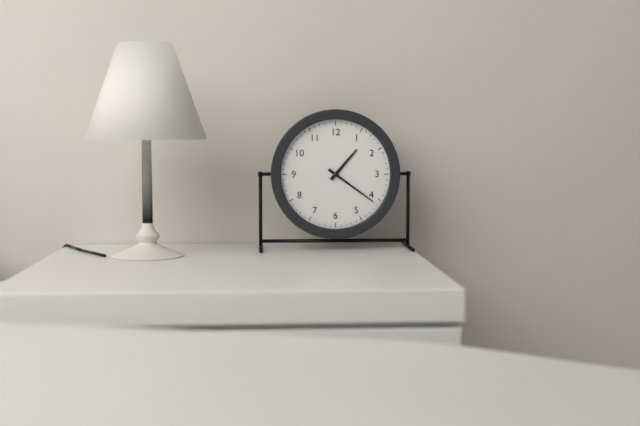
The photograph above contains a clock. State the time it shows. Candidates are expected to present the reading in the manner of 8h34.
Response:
1h21
